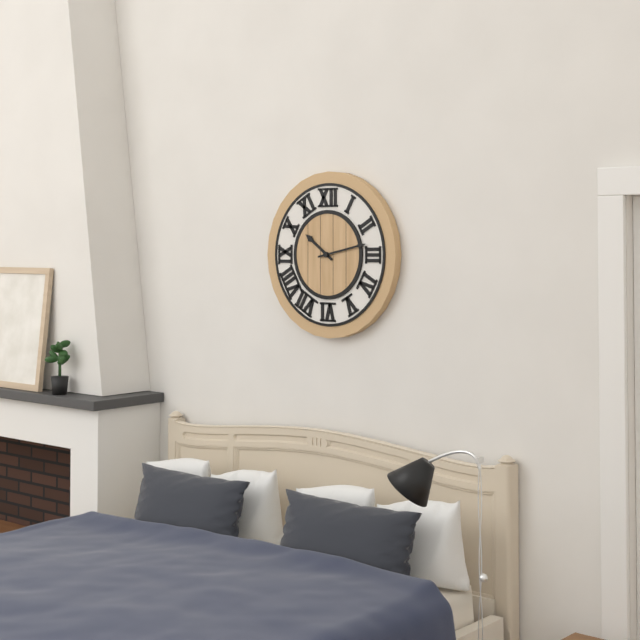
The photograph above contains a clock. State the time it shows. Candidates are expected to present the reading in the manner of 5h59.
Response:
10h13
